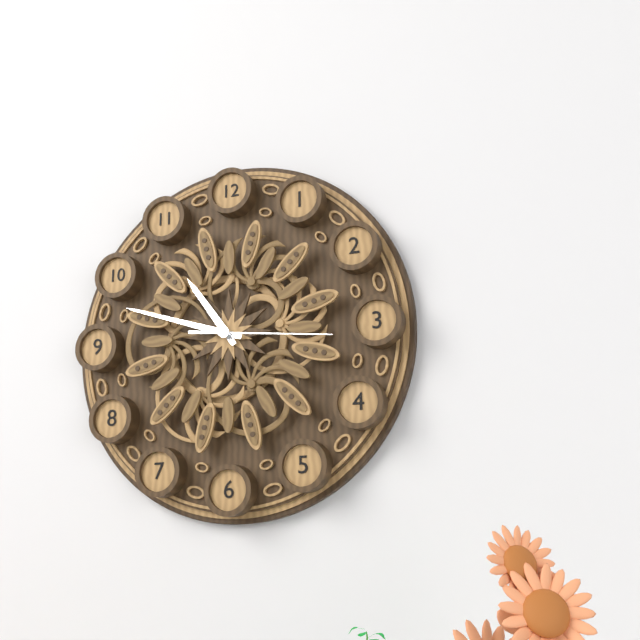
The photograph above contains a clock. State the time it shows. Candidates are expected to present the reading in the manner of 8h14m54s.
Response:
10h48m16s
